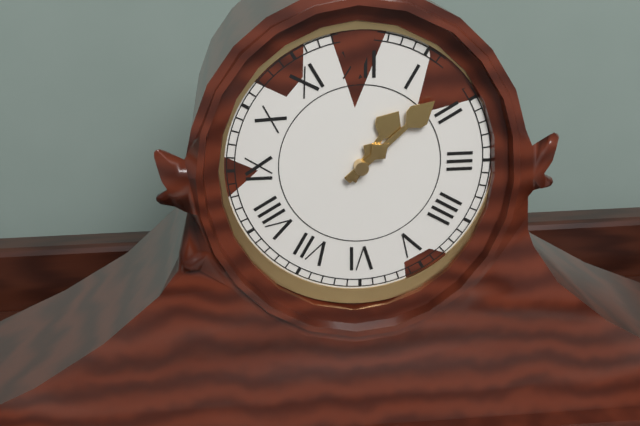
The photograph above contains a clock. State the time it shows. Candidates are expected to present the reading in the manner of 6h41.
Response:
1h08
